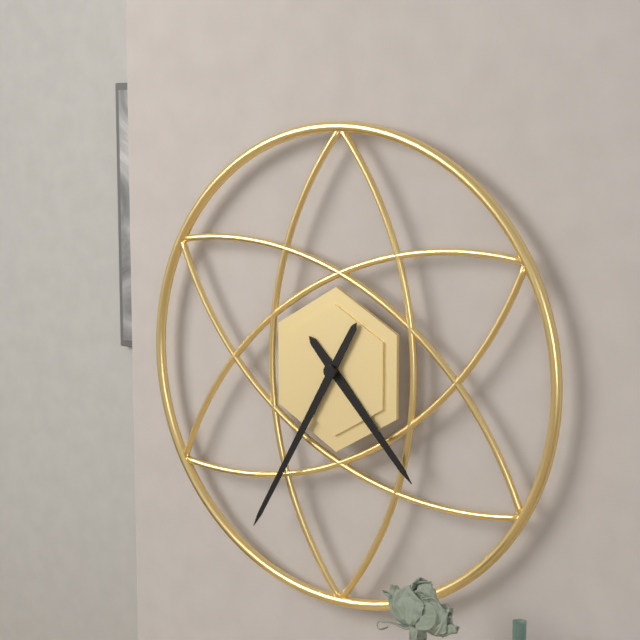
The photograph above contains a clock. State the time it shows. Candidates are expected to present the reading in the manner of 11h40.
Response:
4h35
